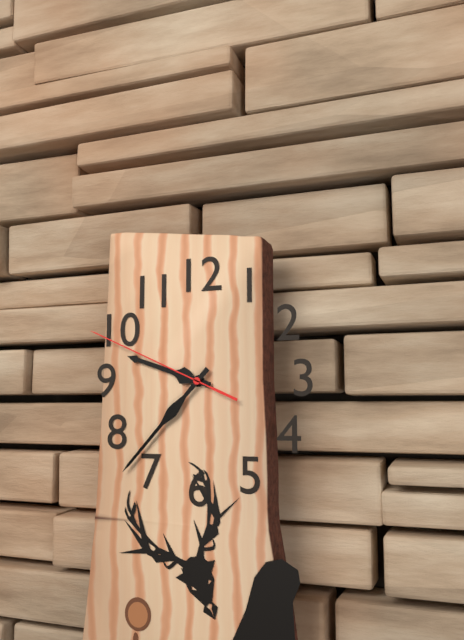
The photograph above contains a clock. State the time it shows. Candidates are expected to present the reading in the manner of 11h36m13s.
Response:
9h37m49s
